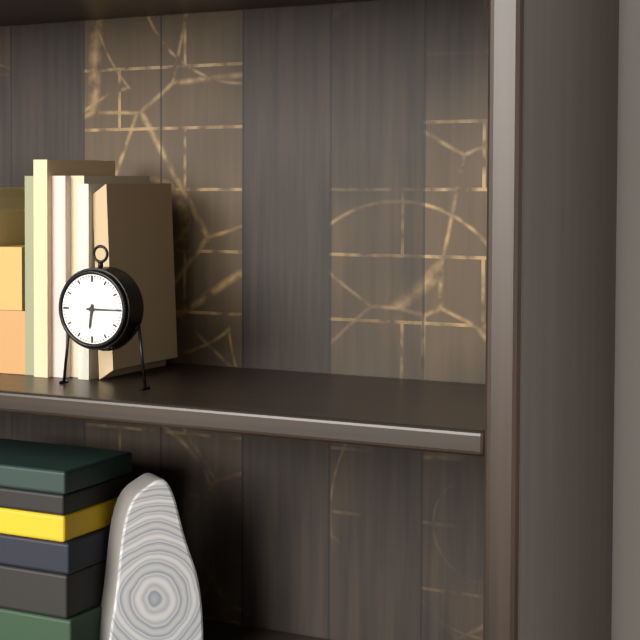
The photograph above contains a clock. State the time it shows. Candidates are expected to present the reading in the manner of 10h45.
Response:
6h15
